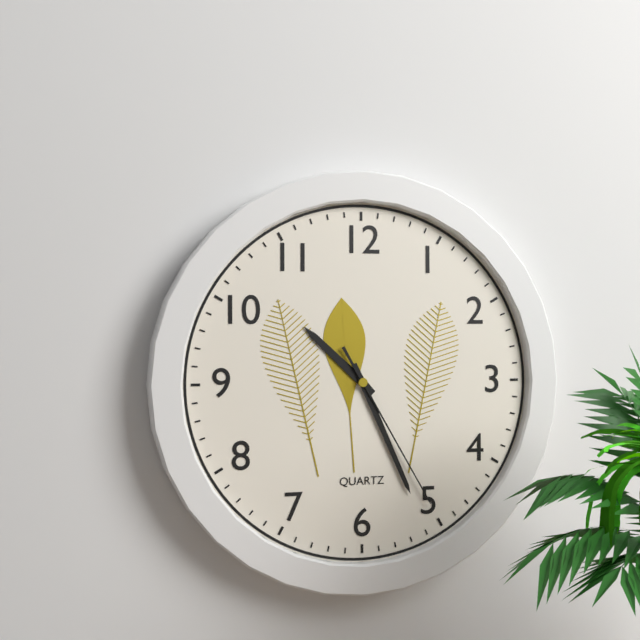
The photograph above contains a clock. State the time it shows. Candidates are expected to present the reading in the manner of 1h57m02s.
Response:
10h26m25s
